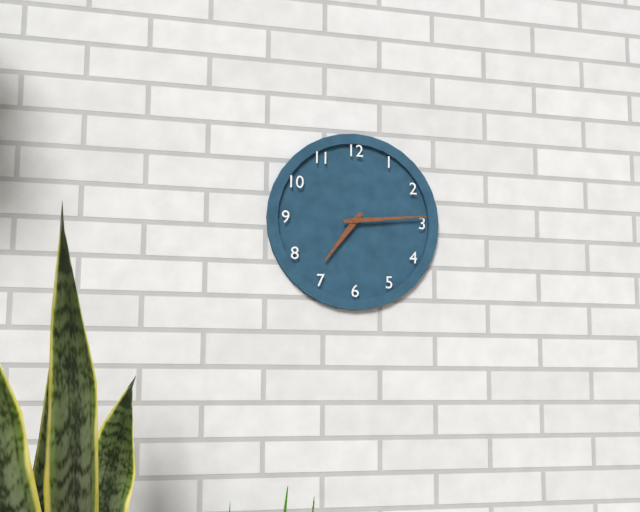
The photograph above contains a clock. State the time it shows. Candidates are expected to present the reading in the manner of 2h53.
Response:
7h14
